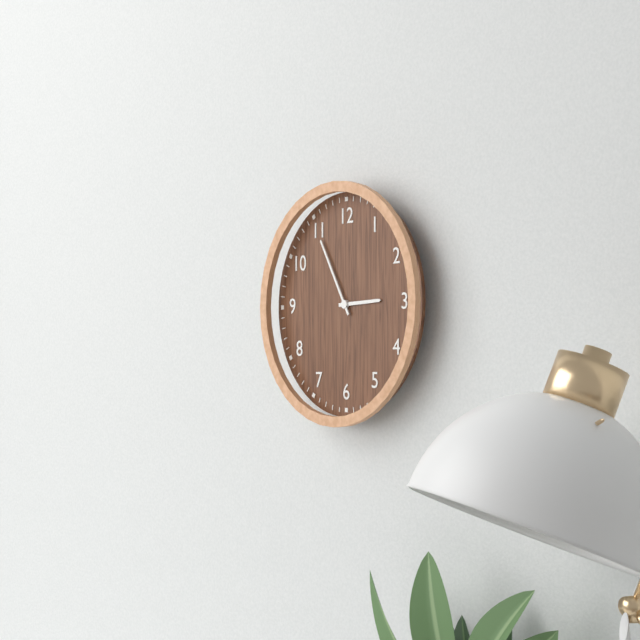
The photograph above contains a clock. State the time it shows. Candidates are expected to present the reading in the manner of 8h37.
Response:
2h55
